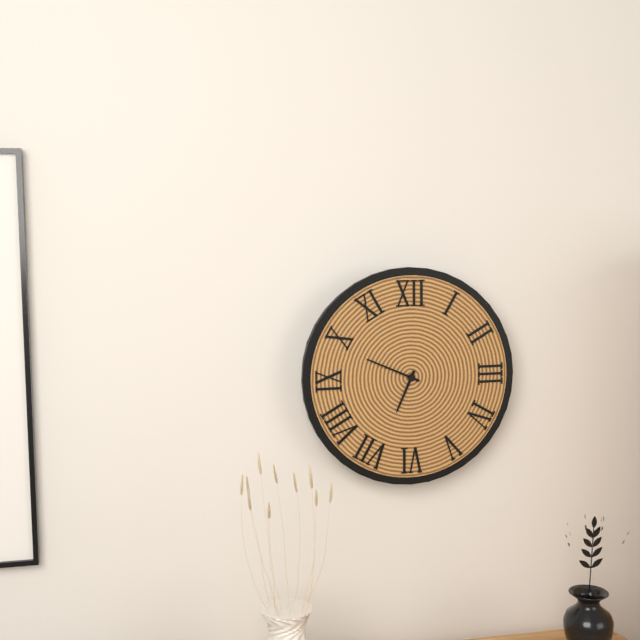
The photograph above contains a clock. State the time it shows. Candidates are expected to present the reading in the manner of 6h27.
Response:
6h49
